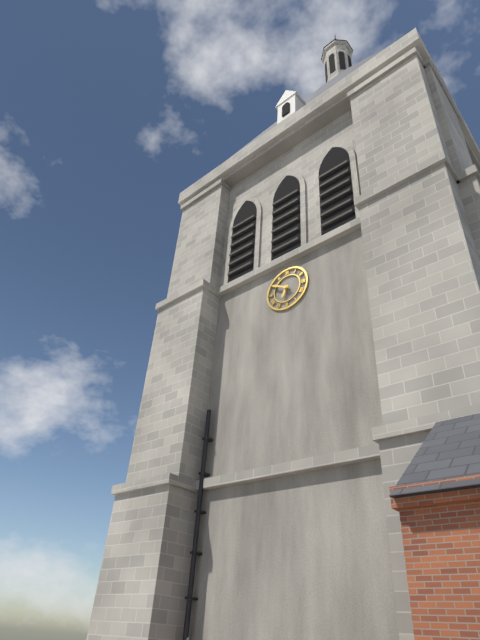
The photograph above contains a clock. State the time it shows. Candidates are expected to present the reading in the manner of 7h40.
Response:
6h50
